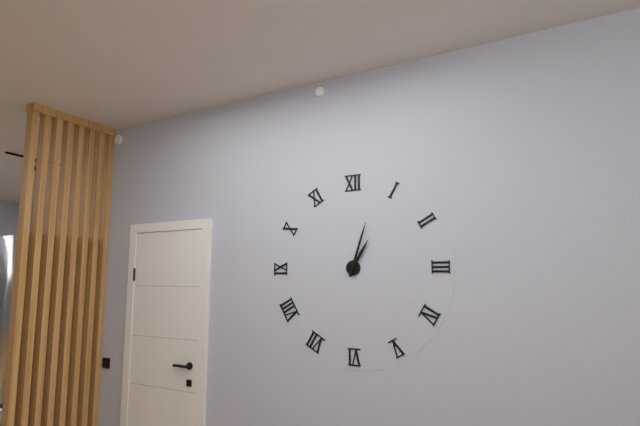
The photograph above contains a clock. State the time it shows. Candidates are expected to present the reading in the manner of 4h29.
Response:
1h03
